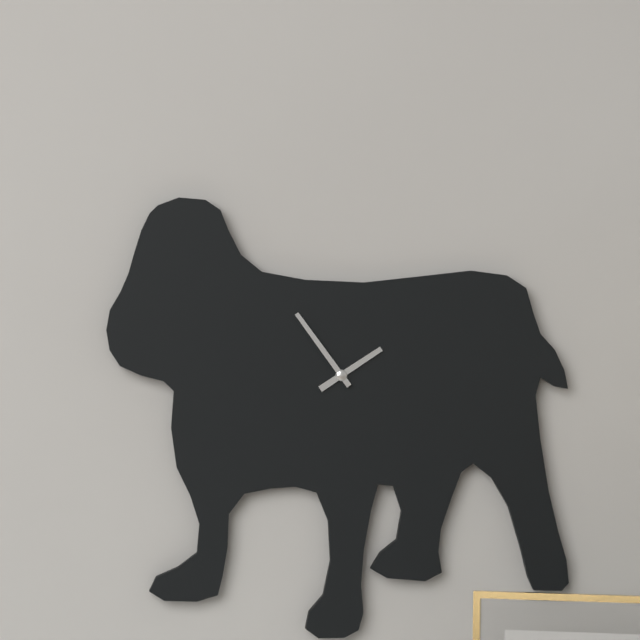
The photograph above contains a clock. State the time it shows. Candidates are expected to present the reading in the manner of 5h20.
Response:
1h54
